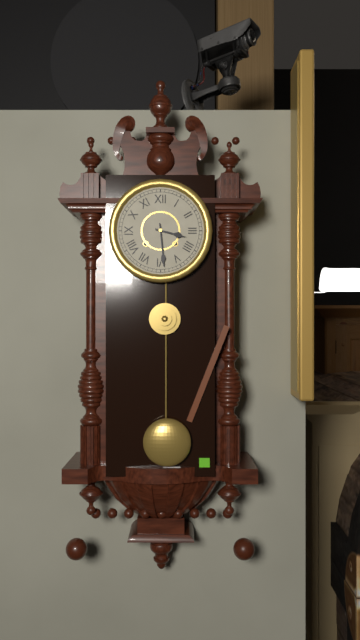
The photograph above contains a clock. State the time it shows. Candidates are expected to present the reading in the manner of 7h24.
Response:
3h29
